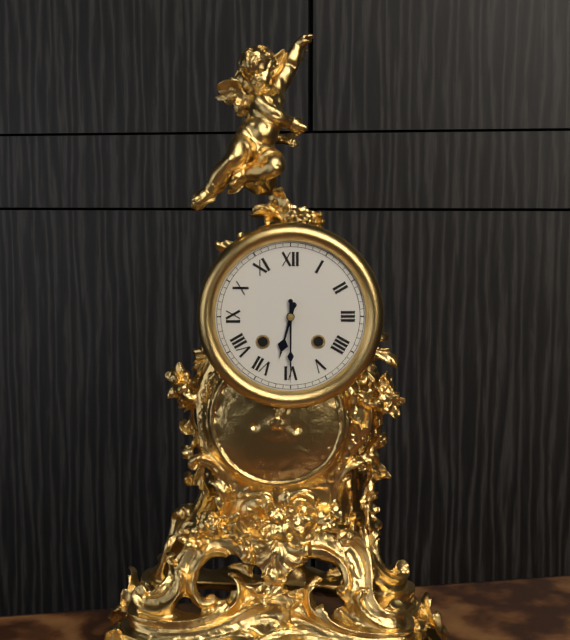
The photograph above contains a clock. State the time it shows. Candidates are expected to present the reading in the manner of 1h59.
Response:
6h30
